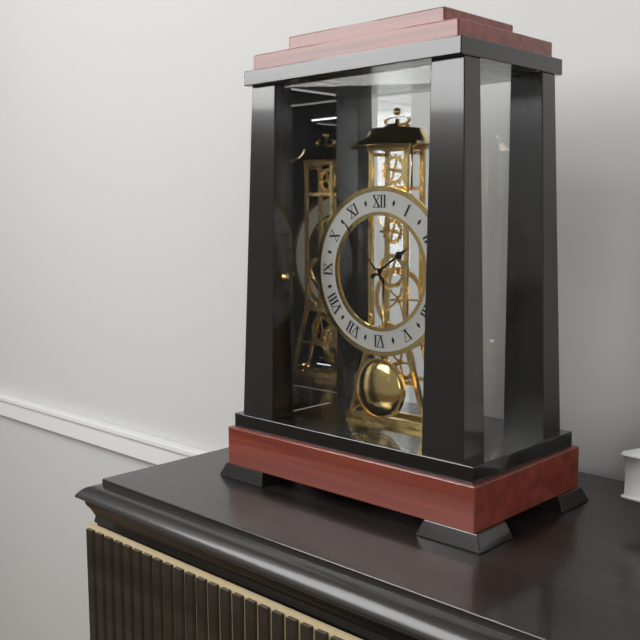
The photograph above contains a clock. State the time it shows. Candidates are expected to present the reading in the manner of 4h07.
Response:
1h53
